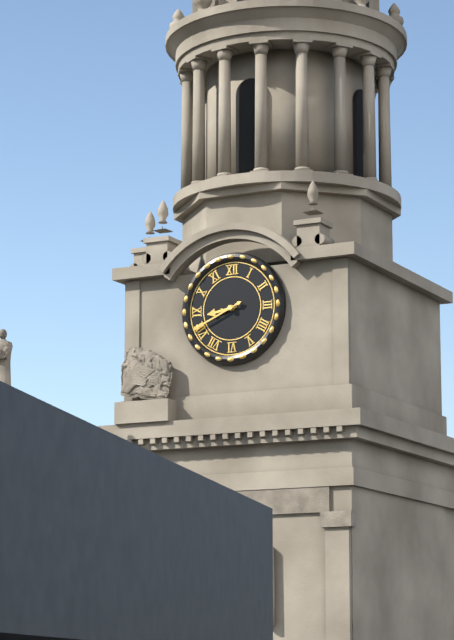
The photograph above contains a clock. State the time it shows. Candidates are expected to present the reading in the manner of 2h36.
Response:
8h41
